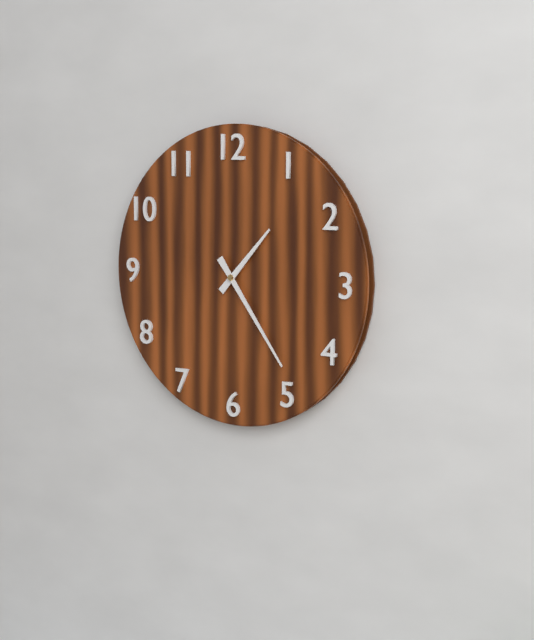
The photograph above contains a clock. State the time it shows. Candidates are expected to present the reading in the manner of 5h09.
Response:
1h24
